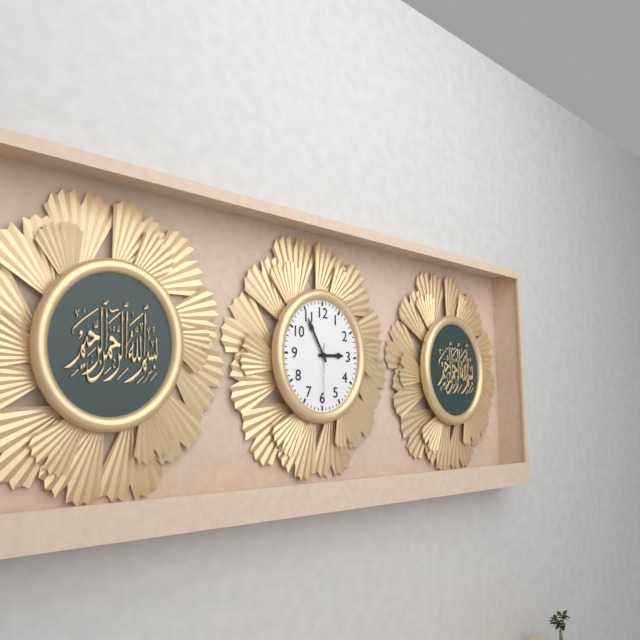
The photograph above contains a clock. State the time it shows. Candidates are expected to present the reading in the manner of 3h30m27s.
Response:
2h55m30s
